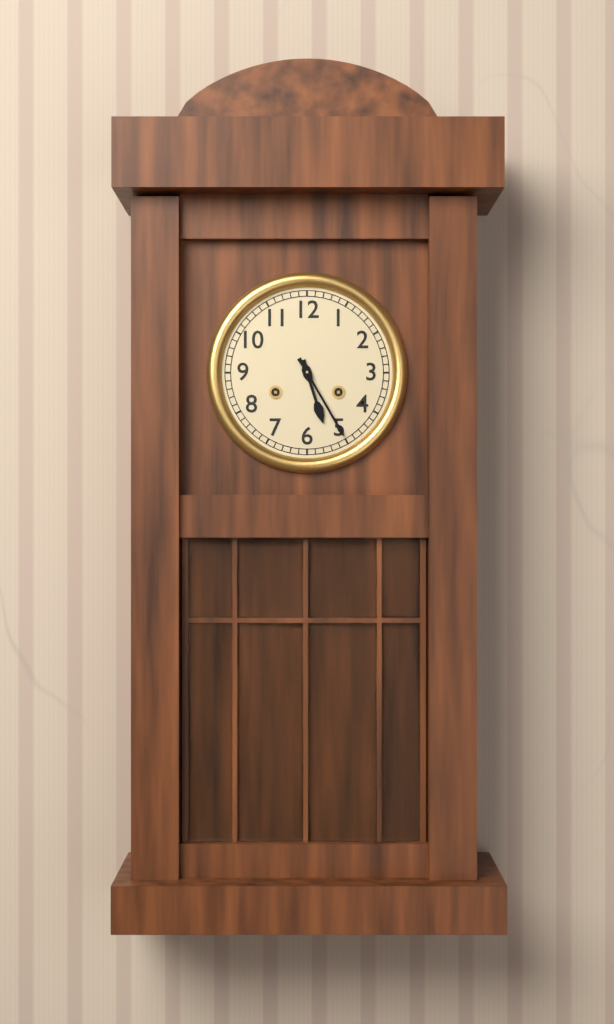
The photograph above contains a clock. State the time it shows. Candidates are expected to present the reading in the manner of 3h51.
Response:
5h25
